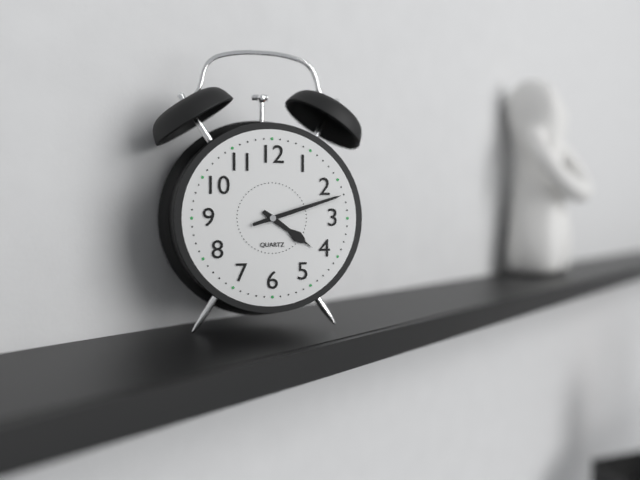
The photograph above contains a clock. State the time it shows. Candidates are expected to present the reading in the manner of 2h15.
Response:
4h12
